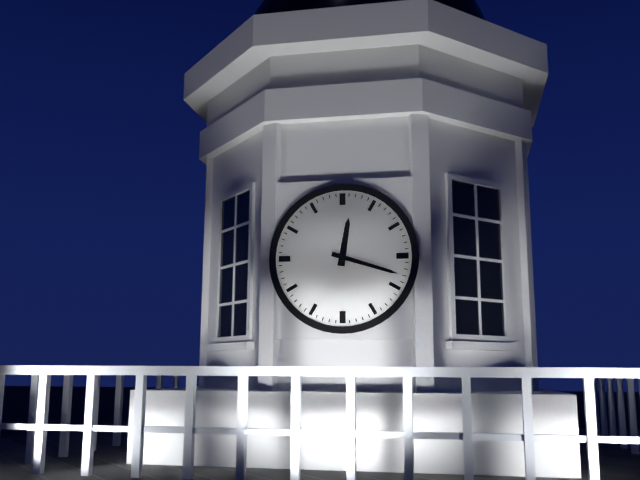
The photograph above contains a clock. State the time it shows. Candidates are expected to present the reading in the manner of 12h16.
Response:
12h18
